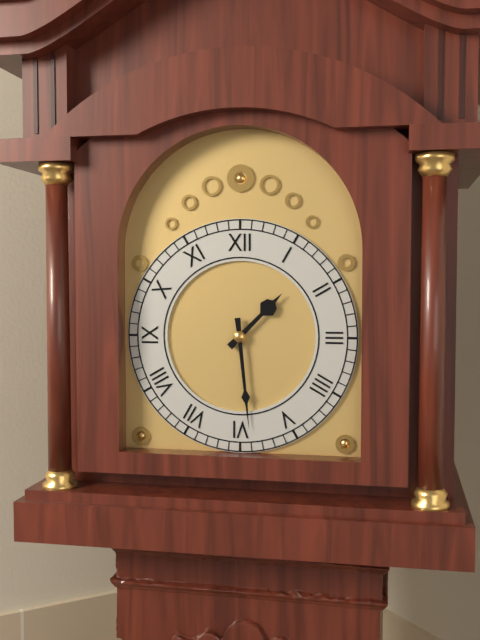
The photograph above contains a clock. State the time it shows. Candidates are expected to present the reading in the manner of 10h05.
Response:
1h29
